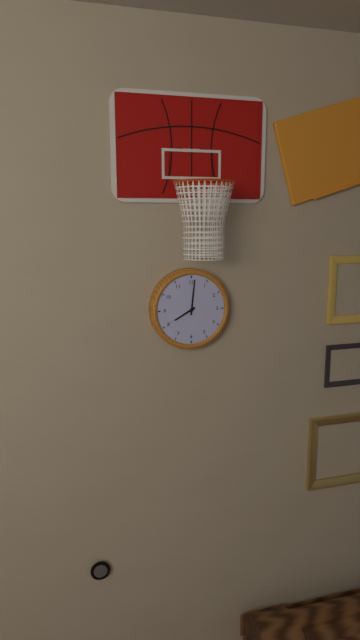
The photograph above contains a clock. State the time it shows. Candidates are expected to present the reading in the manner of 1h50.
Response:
8h01
